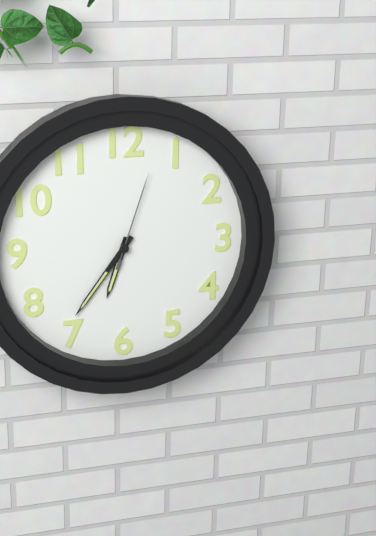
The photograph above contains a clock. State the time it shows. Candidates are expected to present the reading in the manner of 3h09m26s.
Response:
6h36m03s
